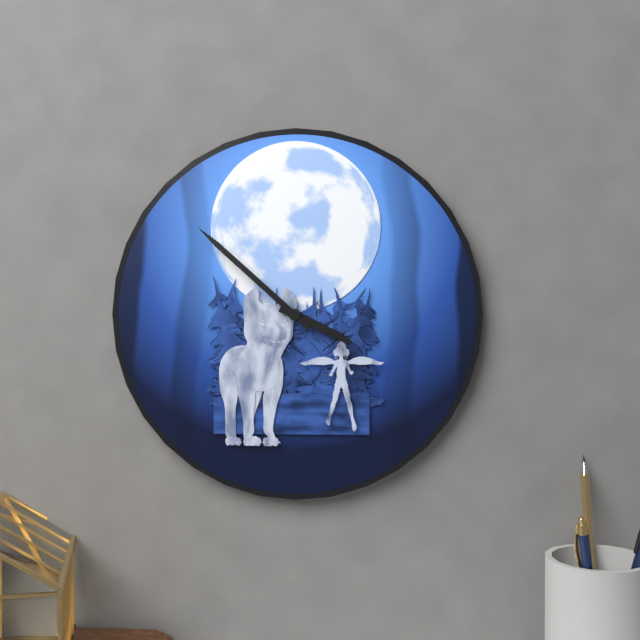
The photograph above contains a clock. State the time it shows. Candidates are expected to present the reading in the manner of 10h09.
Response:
3h52
